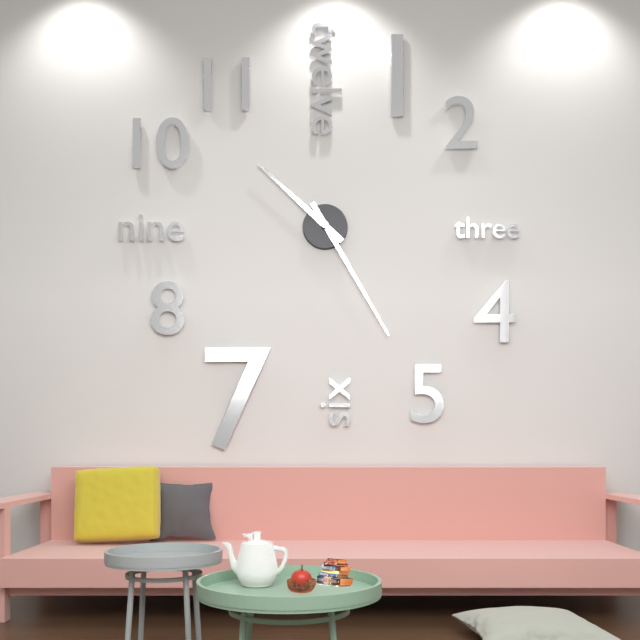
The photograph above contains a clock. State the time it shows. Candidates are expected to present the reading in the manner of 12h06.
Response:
10h25
